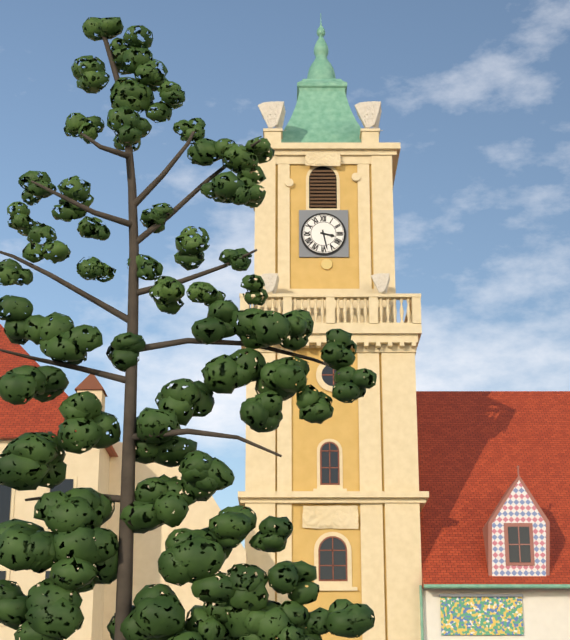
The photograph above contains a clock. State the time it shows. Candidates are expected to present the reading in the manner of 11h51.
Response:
3h28
